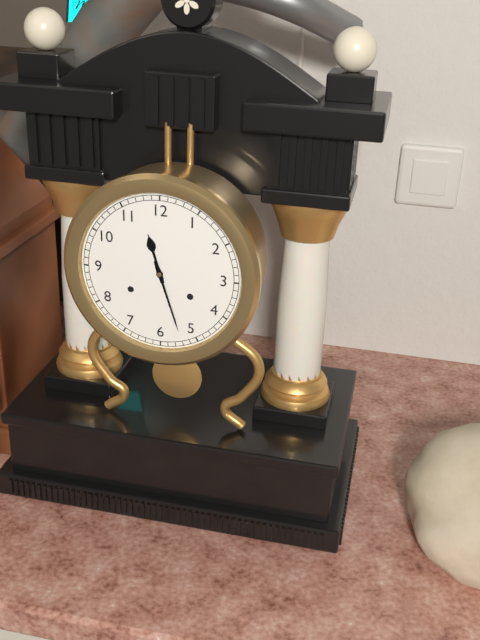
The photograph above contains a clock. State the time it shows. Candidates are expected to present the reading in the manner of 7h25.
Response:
11h27
